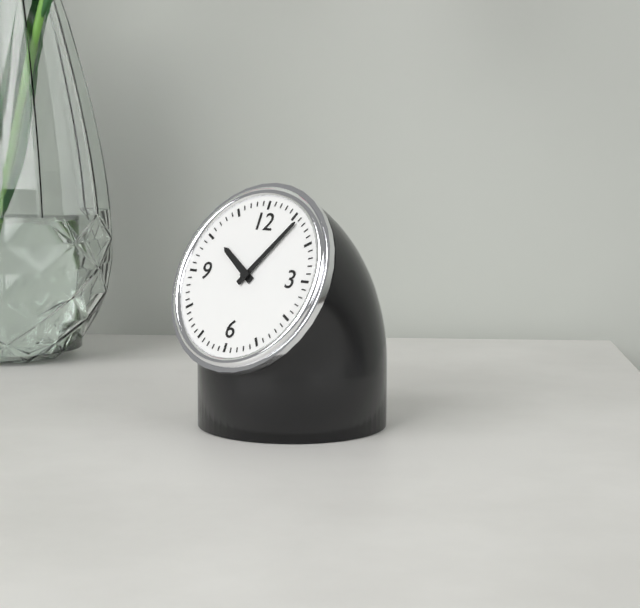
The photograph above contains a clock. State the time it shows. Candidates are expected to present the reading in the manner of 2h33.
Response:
10h06
